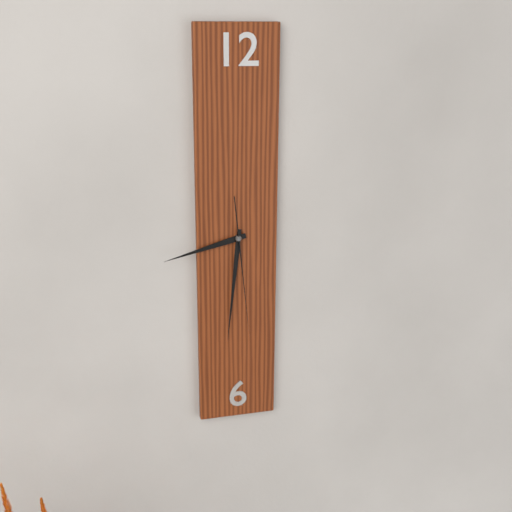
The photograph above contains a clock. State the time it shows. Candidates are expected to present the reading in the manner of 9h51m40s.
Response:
8h31m29s
